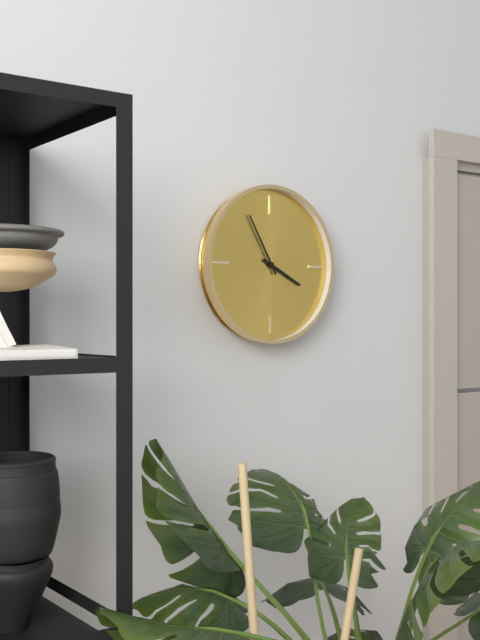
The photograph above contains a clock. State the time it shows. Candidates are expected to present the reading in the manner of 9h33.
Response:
3h55
